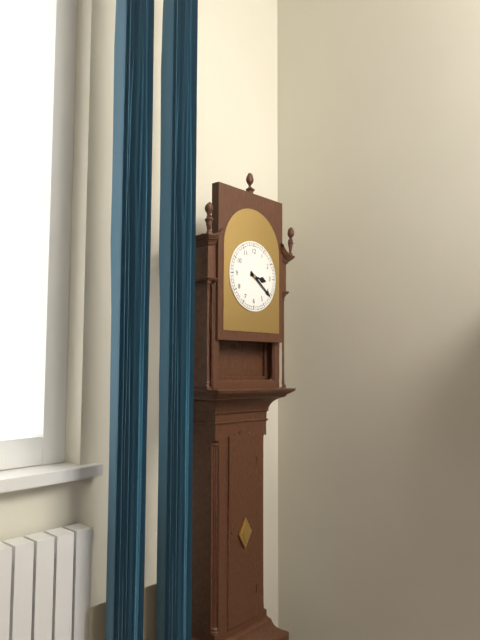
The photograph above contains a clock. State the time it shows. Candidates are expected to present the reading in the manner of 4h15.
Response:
3h21
